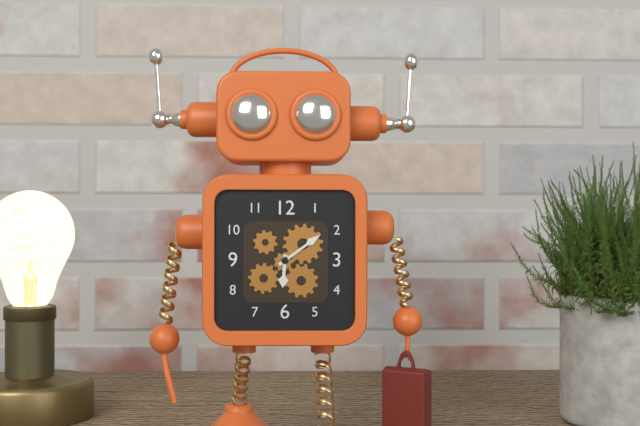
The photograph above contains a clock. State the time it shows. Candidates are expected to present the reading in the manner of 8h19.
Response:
6h09
